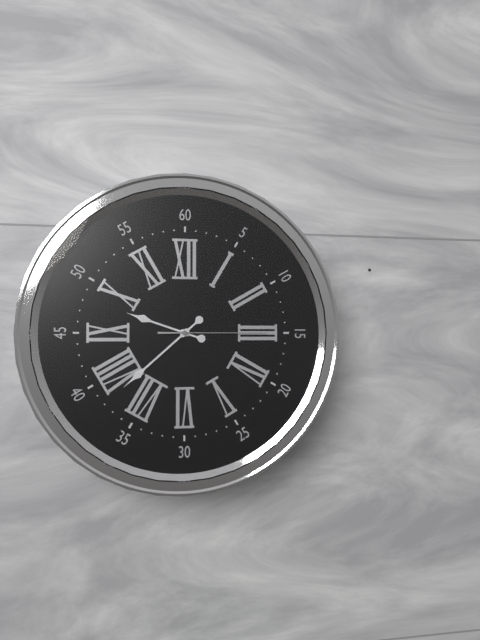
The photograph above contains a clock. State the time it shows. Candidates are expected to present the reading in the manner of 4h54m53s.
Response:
9h38m15s
